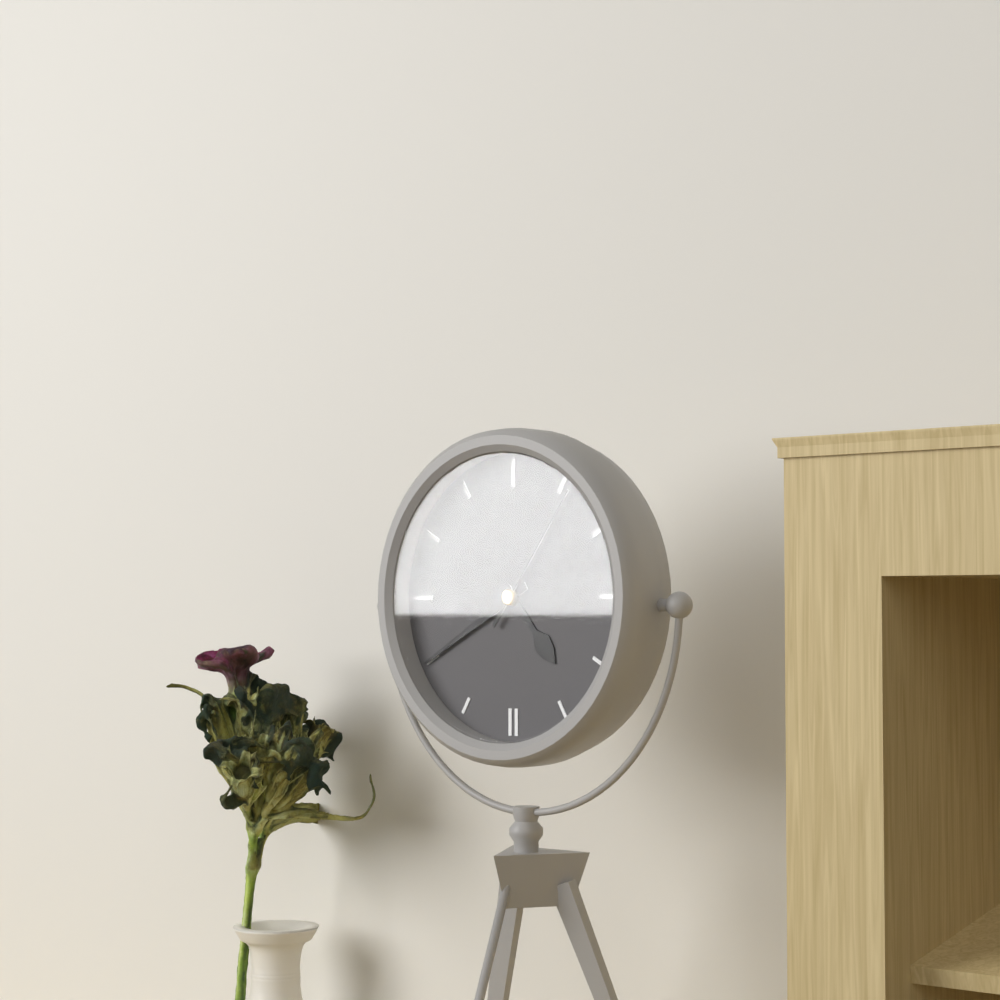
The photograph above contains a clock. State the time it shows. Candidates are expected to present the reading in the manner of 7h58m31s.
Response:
4h40m06s
